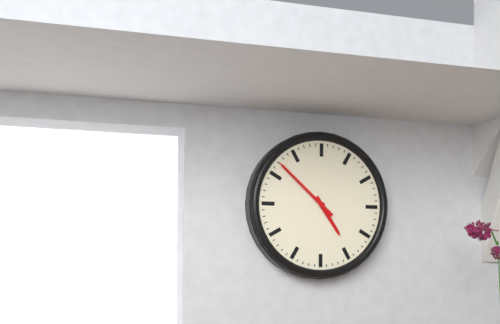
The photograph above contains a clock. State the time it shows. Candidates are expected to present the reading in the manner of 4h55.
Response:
4h52
